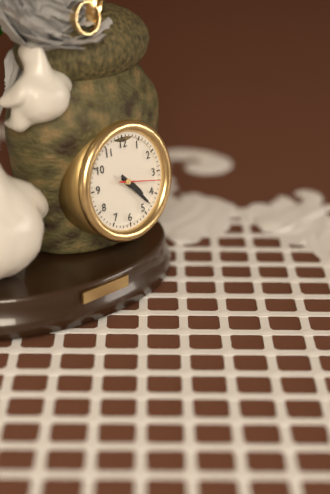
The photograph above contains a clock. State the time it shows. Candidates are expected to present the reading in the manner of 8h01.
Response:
4h23
